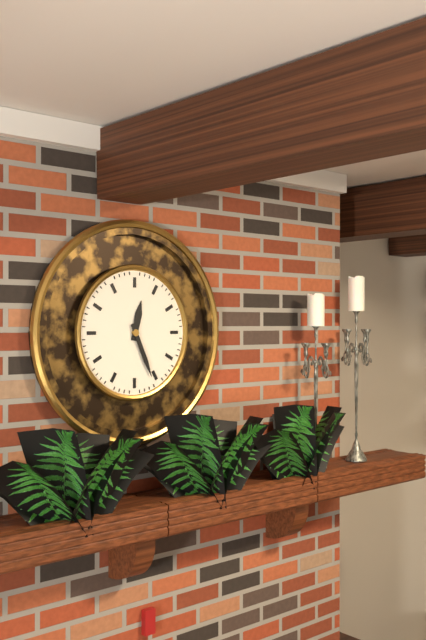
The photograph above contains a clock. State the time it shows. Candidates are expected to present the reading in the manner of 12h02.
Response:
12h26
